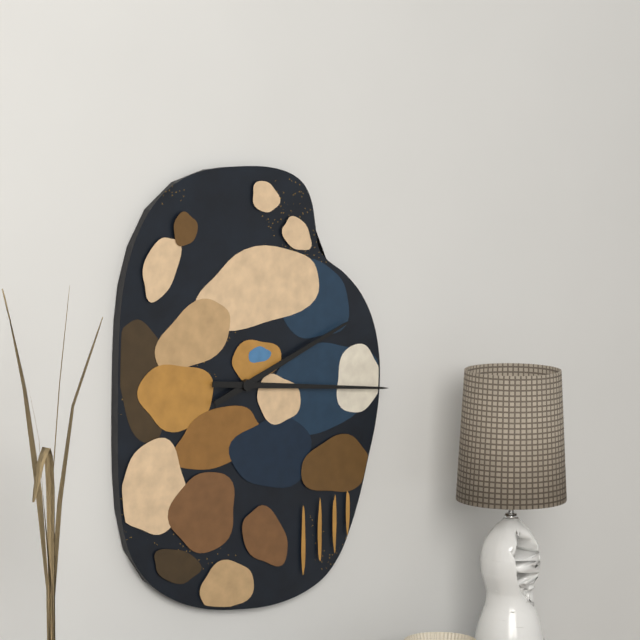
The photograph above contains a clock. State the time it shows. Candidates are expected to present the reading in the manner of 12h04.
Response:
2h16
